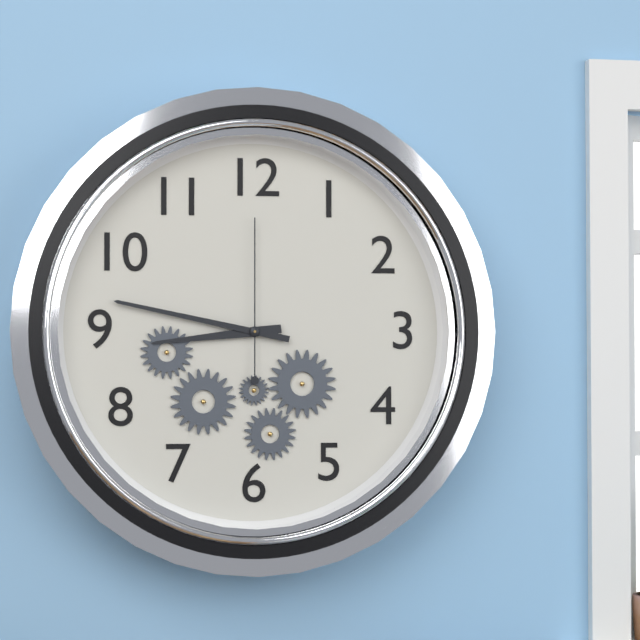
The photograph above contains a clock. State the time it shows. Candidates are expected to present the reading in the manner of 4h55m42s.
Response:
8h47m00s
